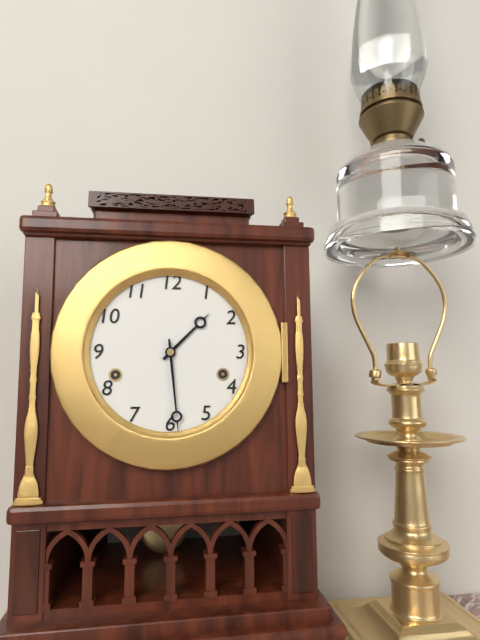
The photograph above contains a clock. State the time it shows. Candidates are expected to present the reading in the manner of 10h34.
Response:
1h29
